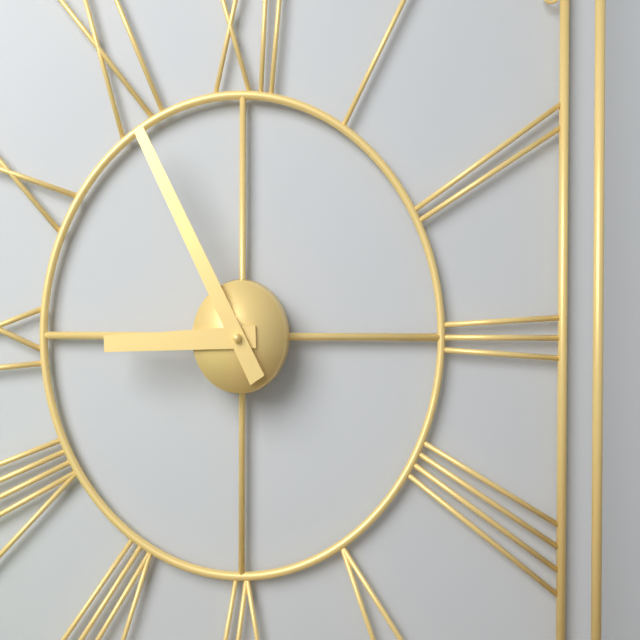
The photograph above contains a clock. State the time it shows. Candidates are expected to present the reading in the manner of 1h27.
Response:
8h55
